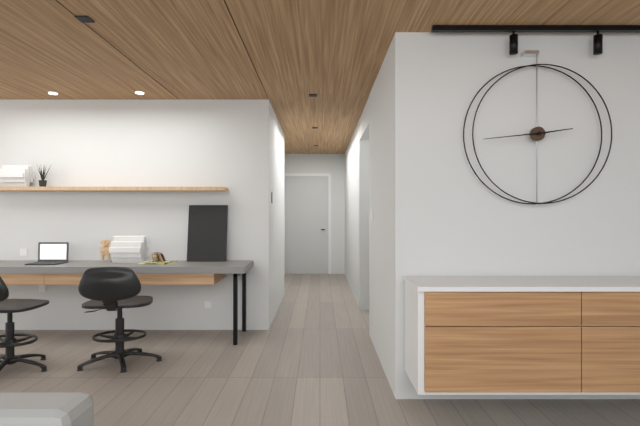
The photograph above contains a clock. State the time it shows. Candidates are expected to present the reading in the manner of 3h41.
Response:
2h44
